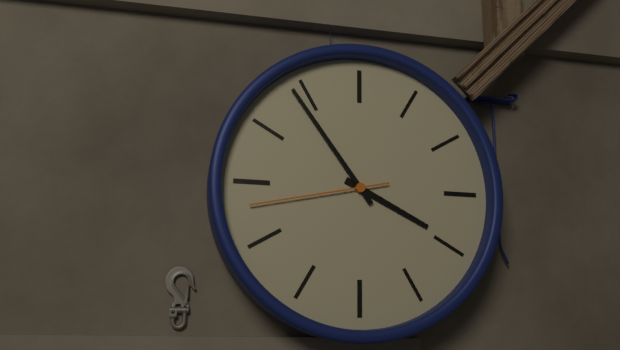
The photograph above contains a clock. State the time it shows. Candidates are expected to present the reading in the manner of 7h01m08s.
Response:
3h54m43s
